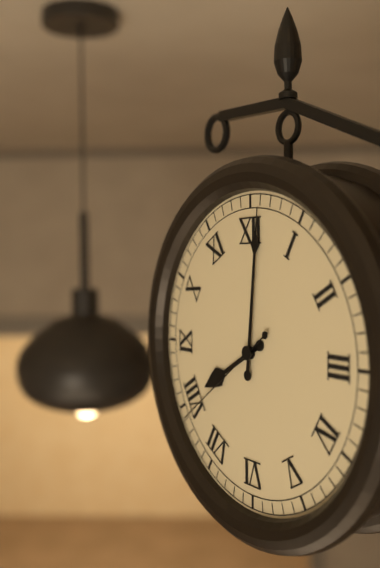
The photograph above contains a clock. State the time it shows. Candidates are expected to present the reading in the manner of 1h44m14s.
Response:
8h01m39s
